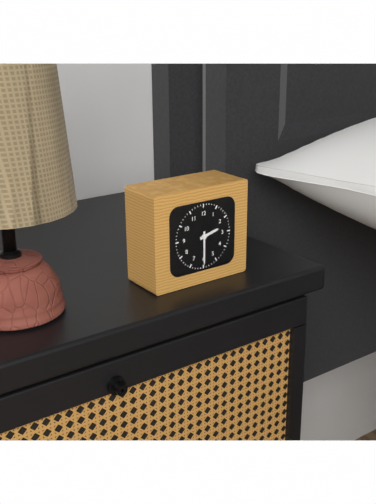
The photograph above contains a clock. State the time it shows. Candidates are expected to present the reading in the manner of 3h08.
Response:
2h30
